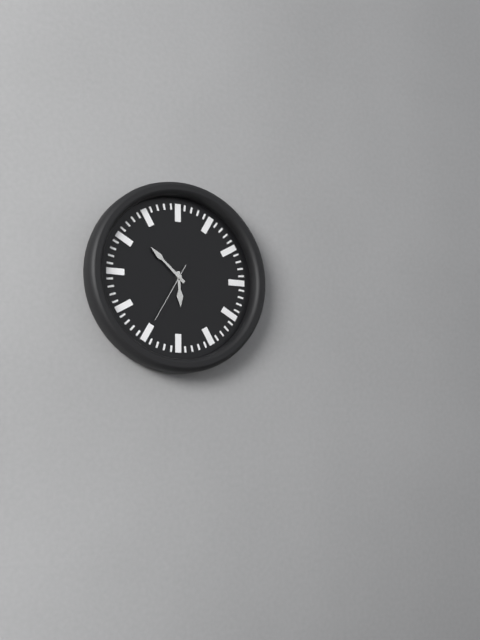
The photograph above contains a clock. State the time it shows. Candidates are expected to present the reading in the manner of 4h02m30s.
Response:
5h52m35s
